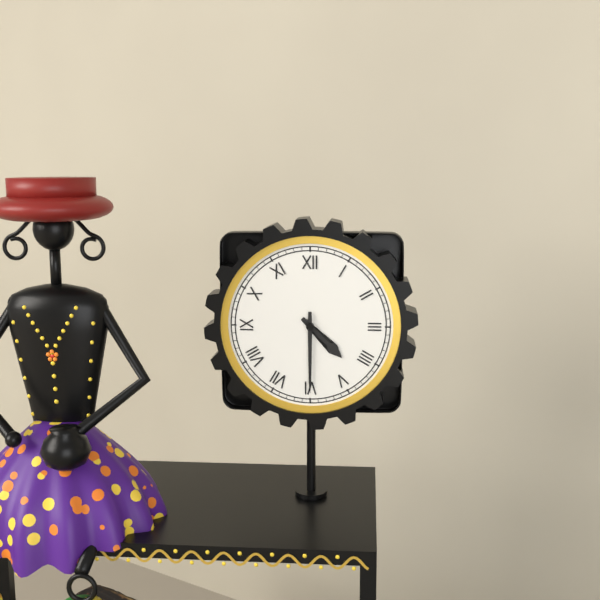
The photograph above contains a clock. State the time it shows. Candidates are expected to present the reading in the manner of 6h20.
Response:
4h30
